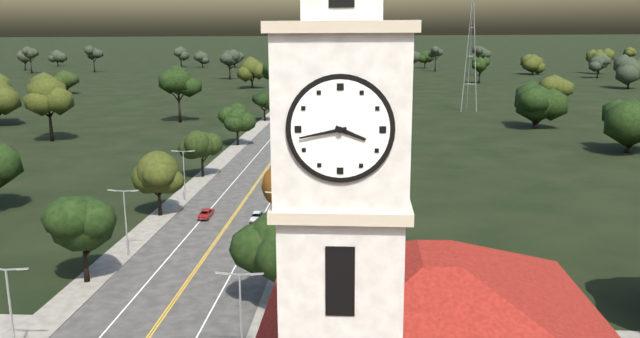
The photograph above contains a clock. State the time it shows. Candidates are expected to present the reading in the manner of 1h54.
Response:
3h43
